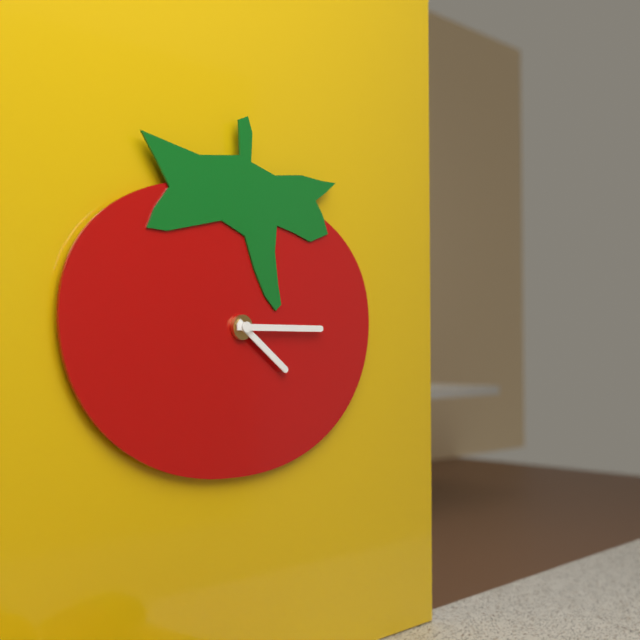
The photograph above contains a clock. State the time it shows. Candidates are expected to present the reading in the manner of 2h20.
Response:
4h15
